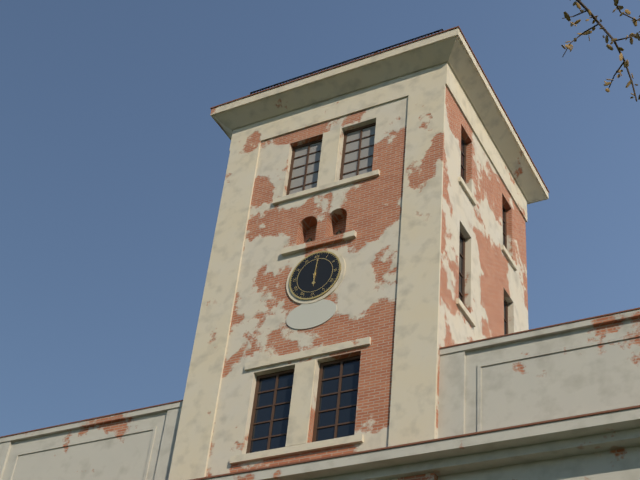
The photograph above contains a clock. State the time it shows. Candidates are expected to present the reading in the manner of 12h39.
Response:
6h01
